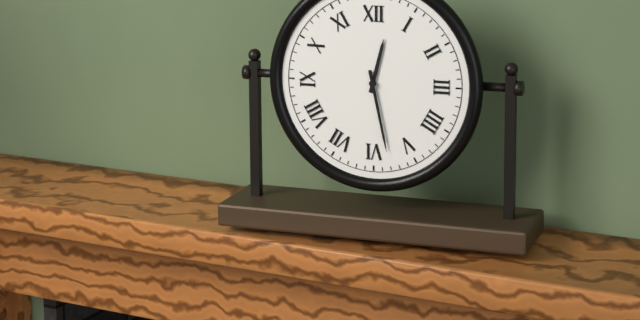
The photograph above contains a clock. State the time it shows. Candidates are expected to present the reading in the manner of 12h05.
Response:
12h28
